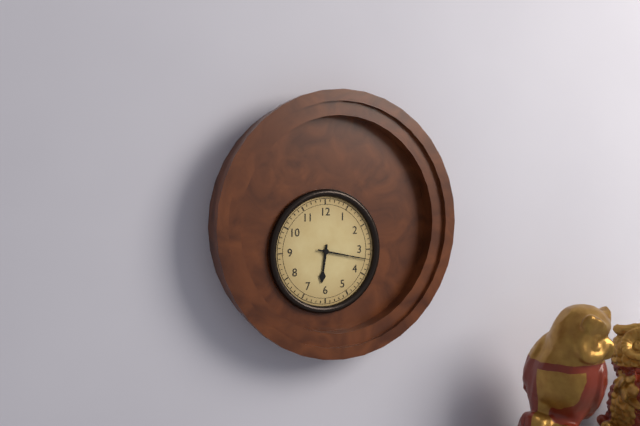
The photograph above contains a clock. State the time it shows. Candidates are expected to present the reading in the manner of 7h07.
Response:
6h17
